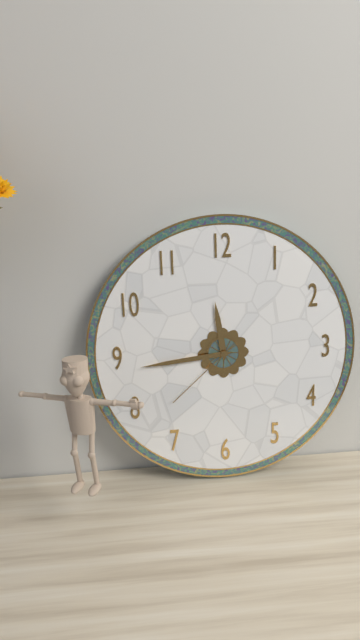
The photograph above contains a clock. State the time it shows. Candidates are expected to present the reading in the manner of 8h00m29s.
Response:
11h44m38s
